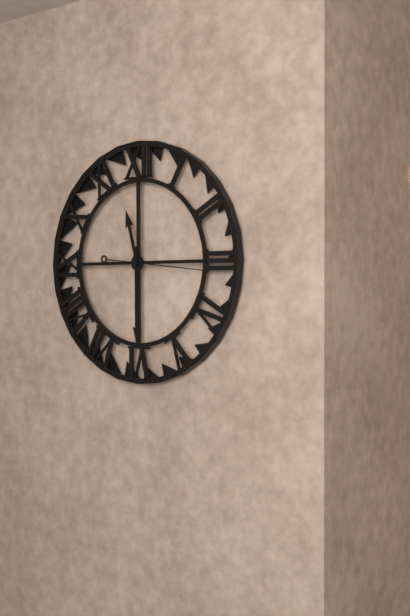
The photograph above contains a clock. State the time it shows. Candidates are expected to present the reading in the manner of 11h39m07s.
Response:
11h30m16s
